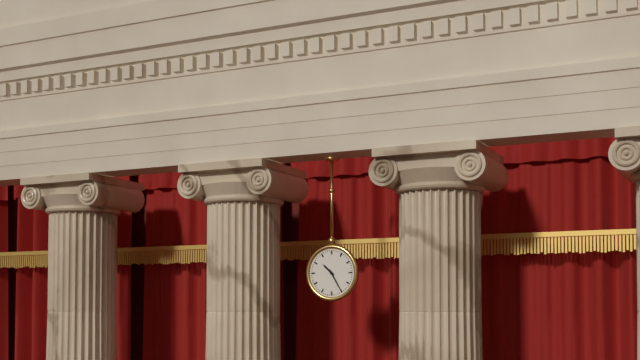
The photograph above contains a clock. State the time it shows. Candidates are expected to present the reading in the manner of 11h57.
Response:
10h25
